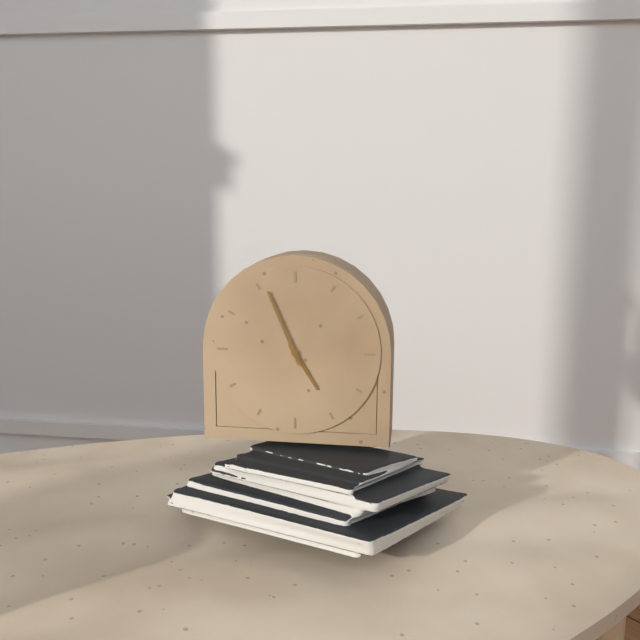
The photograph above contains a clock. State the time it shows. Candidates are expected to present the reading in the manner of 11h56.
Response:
4h56
